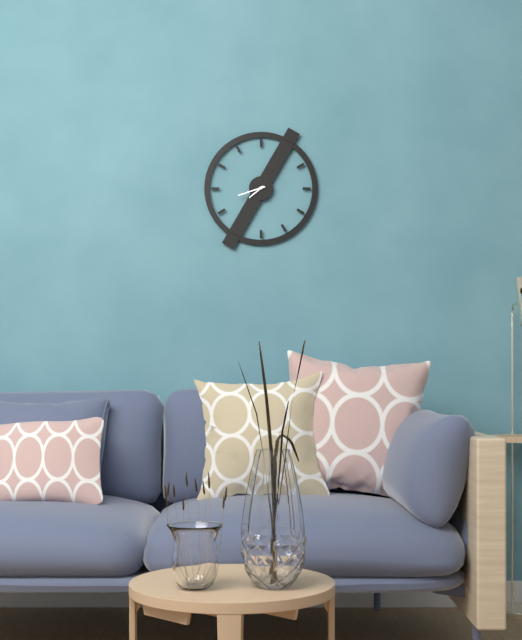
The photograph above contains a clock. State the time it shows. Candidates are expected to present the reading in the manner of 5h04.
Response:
7h42
